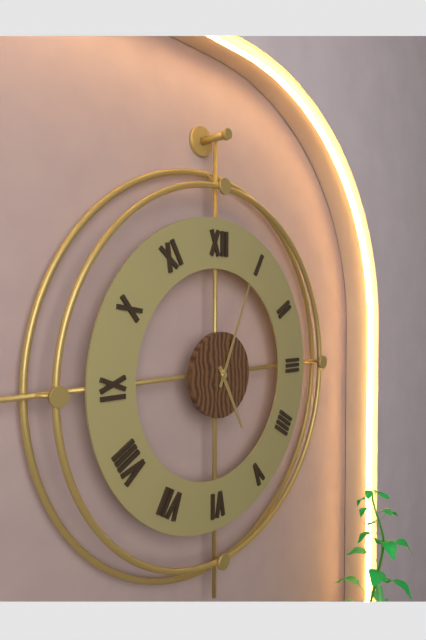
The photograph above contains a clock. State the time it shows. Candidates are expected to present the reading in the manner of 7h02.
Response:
5h04
